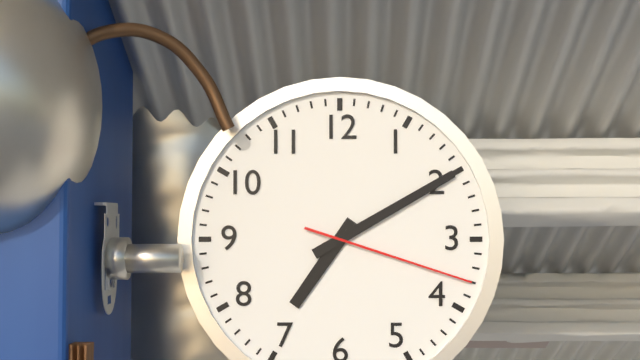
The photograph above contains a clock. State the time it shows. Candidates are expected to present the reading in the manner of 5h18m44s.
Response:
7h10m18s
